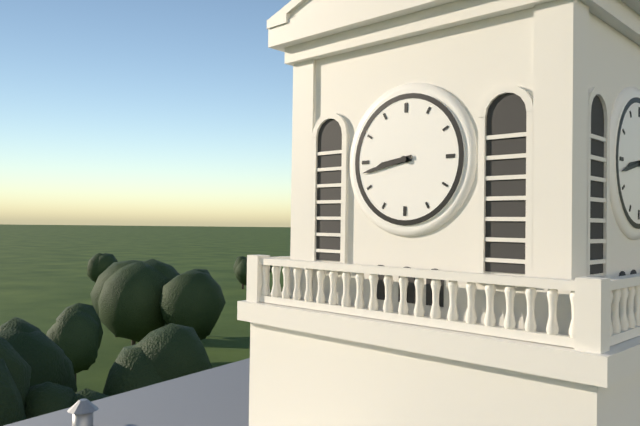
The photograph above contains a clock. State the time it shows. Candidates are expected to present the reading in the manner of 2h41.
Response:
8h43
